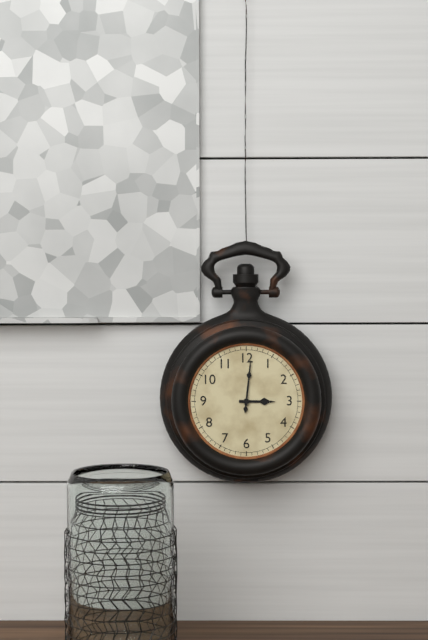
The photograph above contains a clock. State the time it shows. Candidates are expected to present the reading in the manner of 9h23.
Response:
3h01
